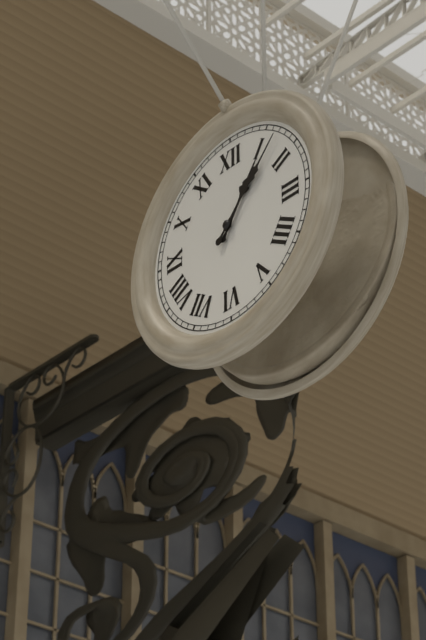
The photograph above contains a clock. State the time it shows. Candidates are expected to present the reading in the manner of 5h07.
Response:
1h07
